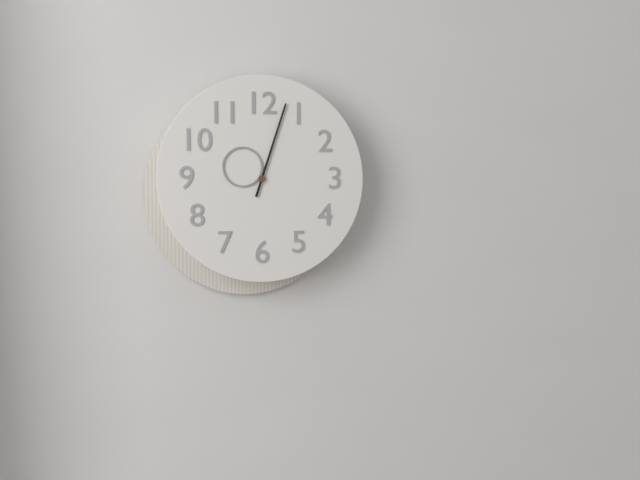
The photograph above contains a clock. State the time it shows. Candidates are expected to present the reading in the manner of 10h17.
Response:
10h03
